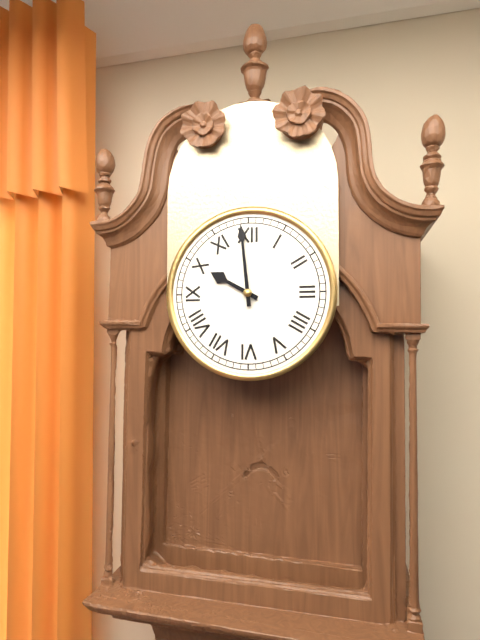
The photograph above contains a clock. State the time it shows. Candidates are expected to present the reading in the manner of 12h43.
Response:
9h59
